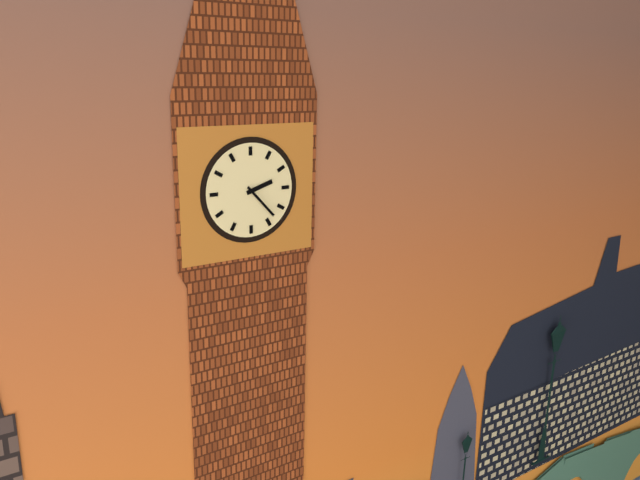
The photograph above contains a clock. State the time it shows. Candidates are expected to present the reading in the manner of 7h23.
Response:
2h23
